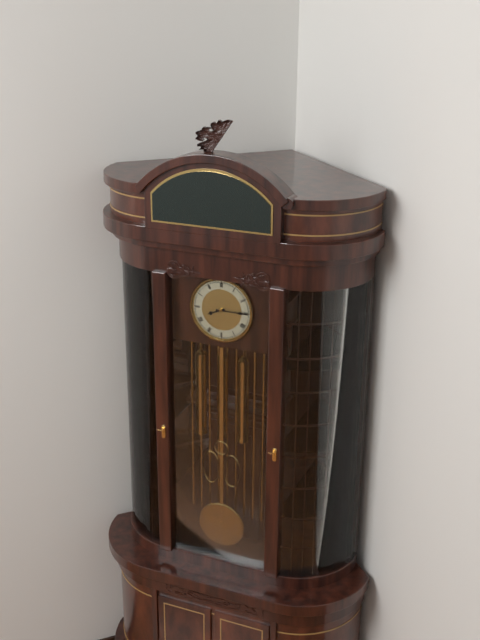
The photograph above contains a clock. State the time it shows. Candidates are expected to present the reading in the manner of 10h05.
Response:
8h15
